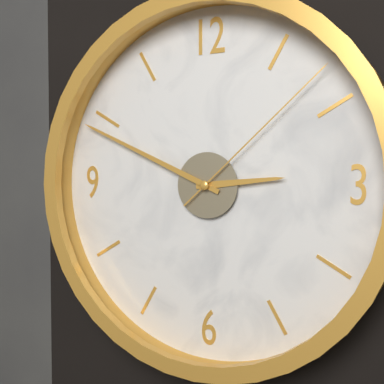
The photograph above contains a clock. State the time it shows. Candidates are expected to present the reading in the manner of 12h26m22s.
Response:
2h49m08s
